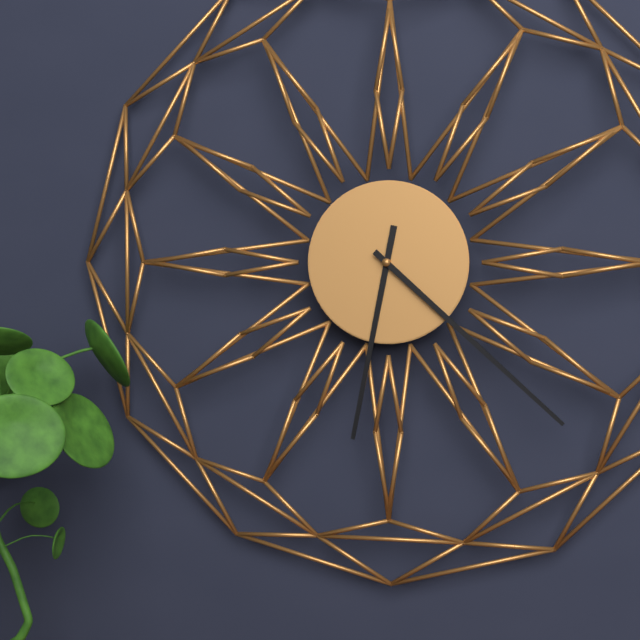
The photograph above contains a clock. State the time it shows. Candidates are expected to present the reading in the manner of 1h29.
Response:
6h22
